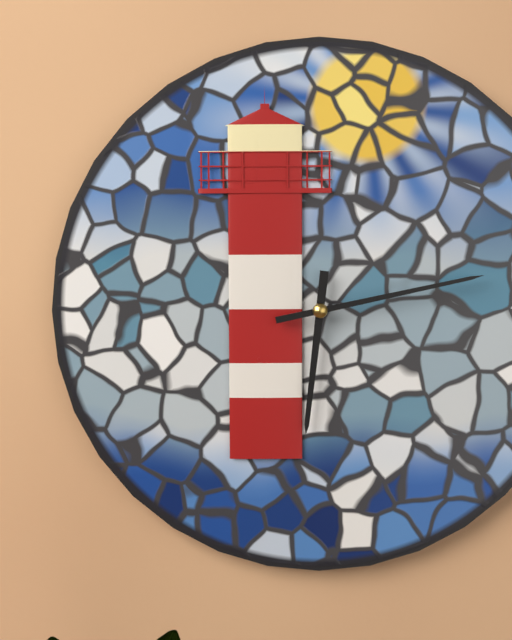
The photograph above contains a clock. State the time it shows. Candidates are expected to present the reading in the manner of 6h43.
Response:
6h13
